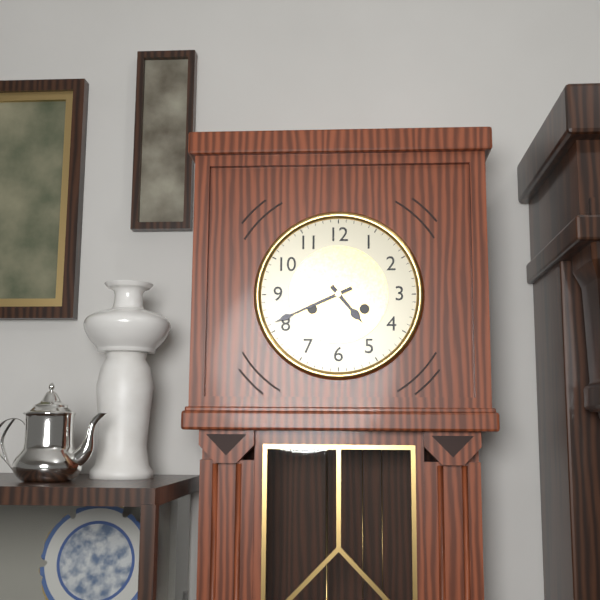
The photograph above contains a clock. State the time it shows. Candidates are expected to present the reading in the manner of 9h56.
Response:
4h41
